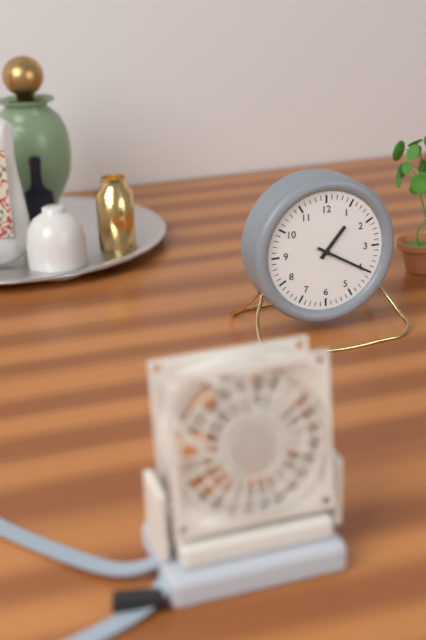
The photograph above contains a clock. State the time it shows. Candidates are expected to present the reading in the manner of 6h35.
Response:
1h20
